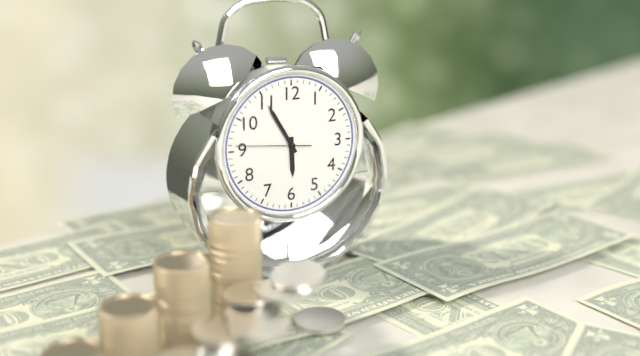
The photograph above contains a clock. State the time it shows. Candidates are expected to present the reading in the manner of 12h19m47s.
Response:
5h55m46s
